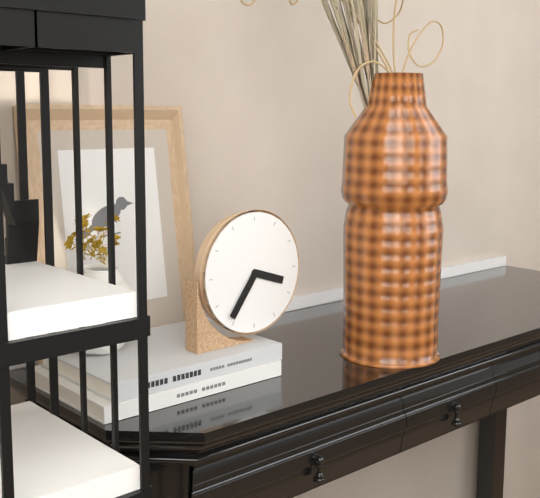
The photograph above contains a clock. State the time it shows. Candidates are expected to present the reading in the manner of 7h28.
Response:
3h36
